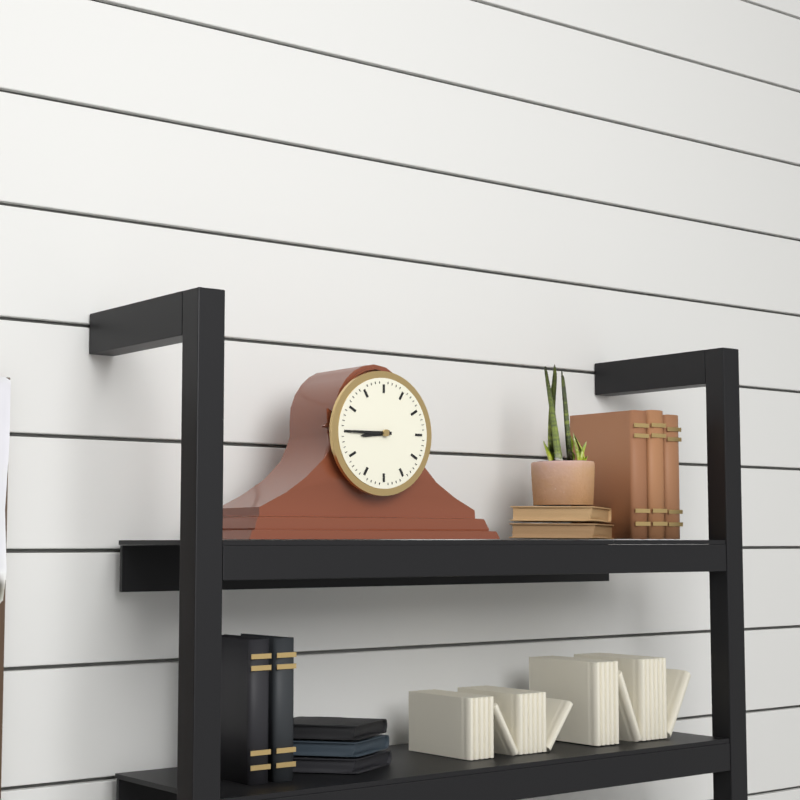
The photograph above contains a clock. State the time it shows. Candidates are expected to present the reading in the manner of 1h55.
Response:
8h45
